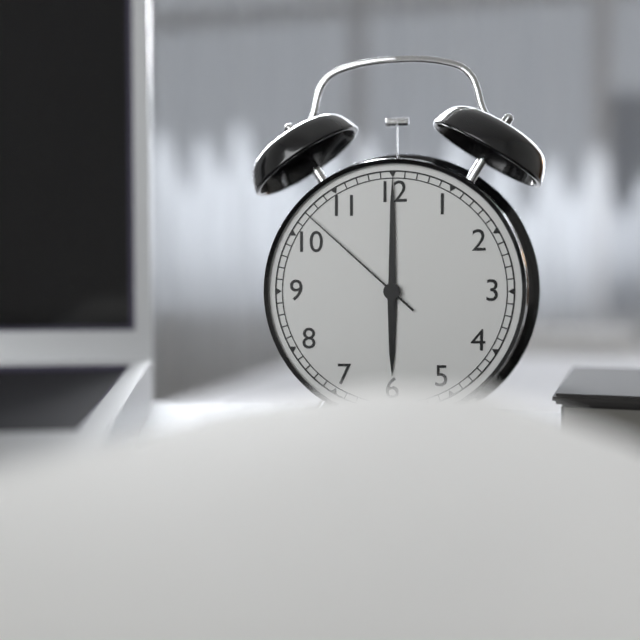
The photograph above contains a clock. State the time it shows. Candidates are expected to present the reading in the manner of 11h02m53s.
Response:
6h00m52s
